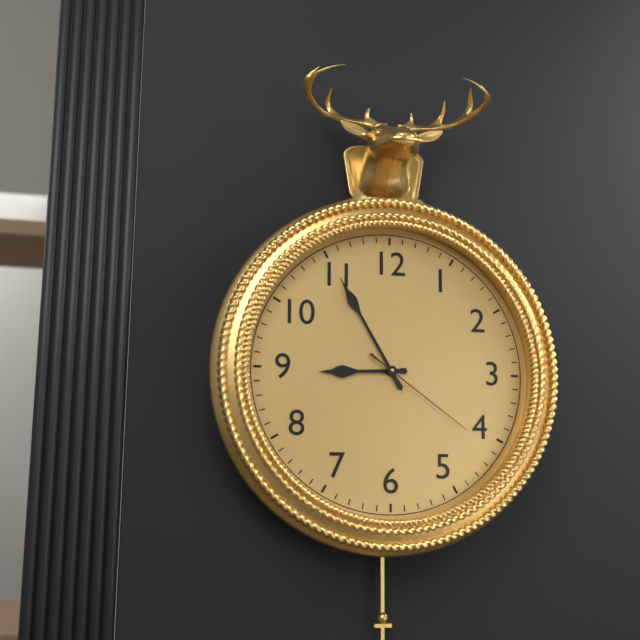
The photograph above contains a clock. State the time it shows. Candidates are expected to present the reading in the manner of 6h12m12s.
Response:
8h55m21s
